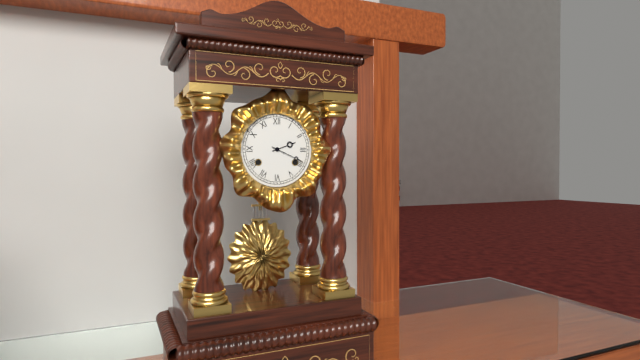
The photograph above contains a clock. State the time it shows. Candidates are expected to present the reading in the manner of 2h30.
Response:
2h19
